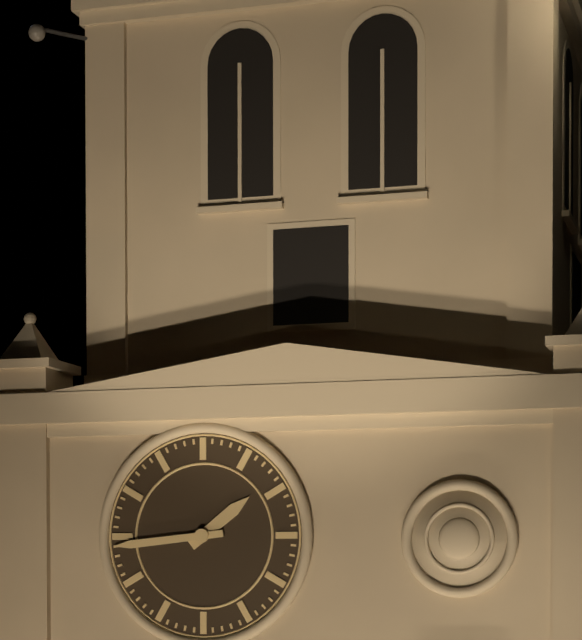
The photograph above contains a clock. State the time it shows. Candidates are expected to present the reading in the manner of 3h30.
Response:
1h44
